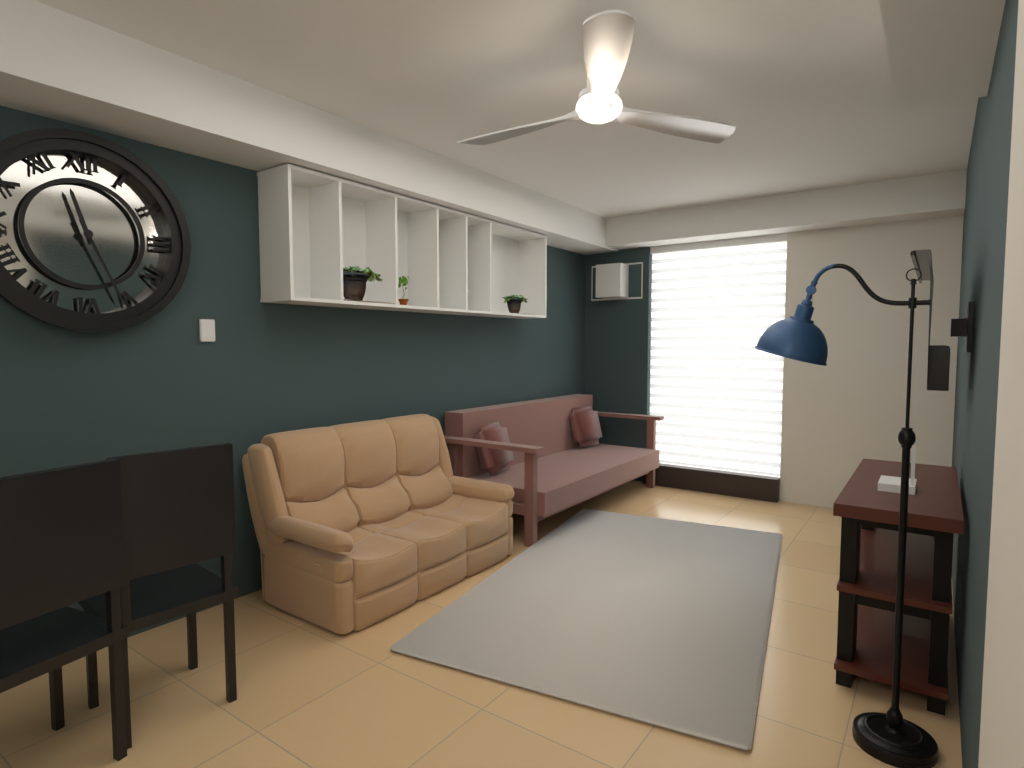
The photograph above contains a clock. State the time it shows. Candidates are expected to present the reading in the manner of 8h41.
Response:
11h26
